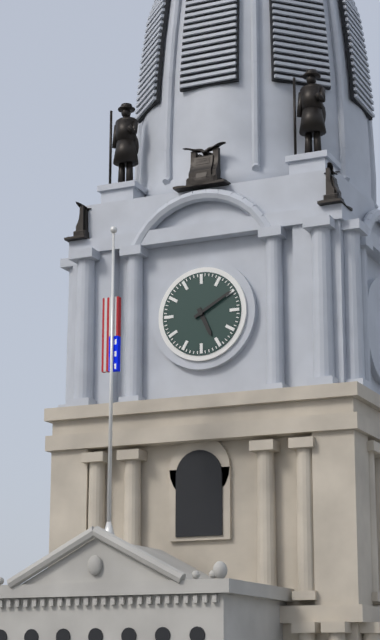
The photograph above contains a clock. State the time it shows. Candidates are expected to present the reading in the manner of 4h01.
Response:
5h10
